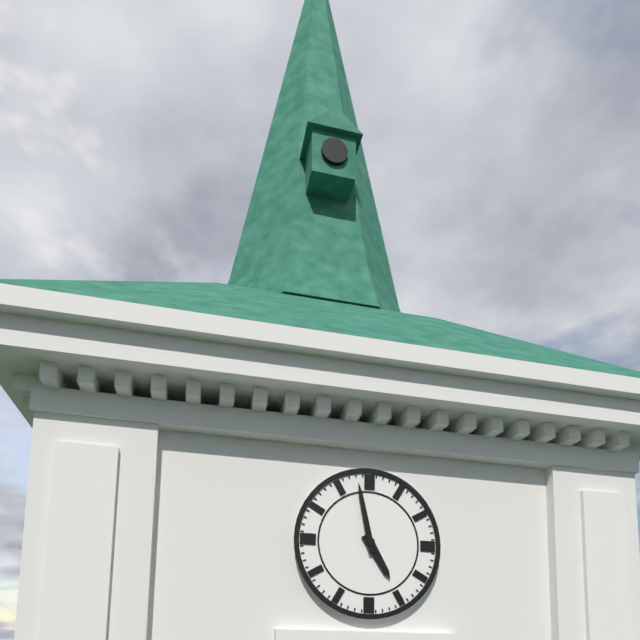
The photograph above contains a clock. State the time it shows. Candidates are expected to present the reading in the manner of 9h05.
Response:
4h58
